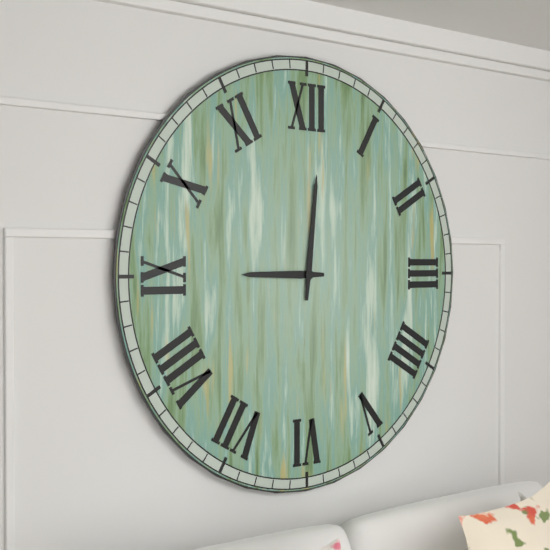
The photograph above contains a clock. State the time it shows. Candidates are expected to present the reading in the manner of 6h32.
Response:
9h01
